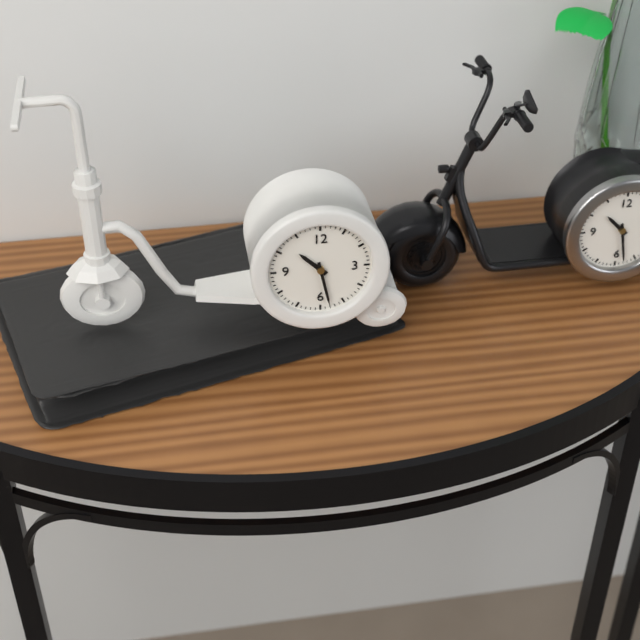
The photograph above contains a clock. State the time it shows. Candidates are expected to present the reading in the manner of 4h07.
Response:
10h28
